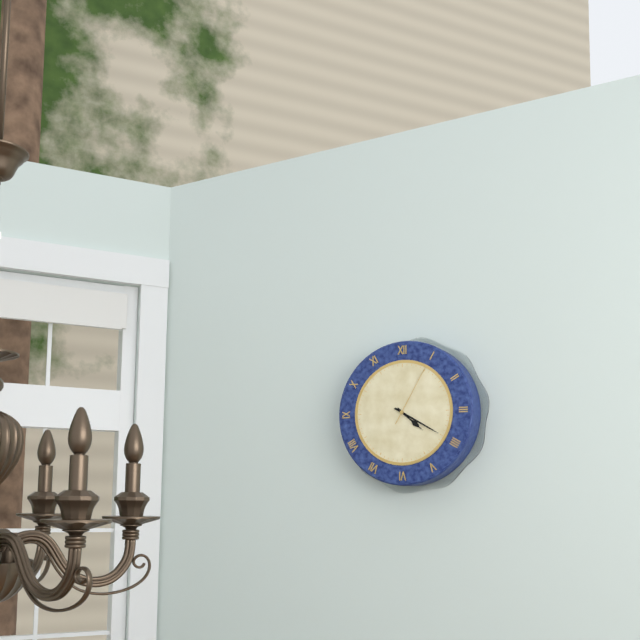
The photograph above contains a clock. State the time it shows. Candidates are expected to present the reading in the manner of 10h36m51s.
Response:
4h20m05s
